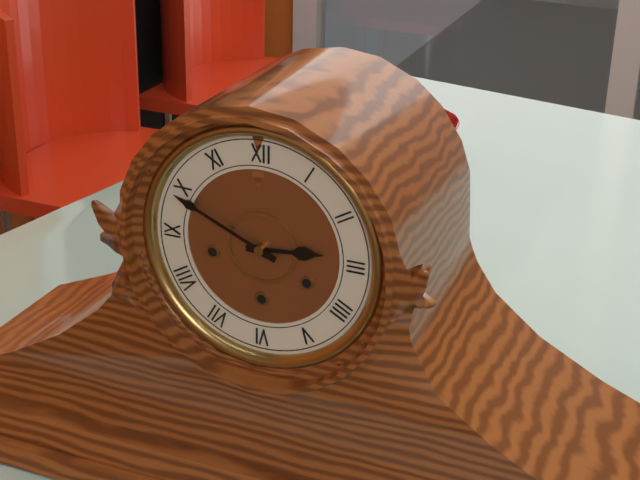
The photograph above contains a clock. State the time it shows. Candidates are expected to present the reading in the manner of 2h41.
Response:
2h49
